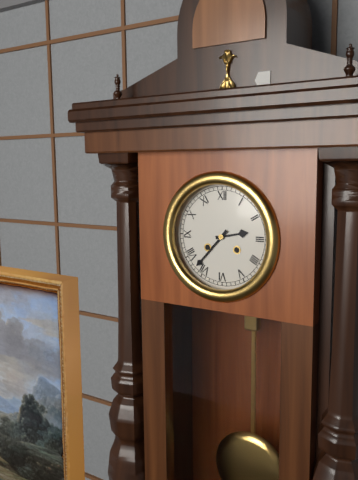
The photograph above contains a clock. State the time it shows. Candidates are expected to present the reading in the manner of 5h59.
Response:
2h37
